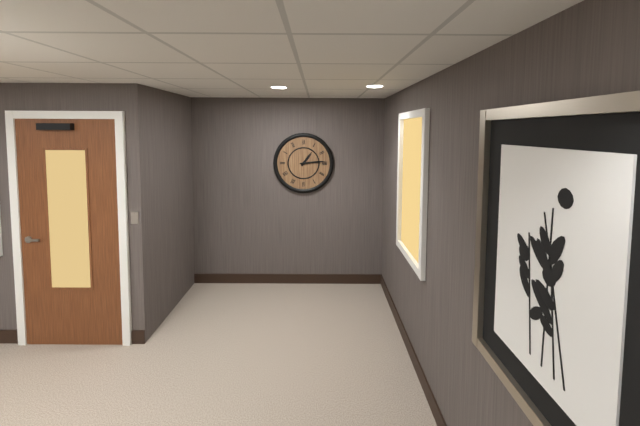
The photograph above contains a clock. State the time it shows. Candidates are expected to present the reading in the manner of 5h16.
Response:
1h14
